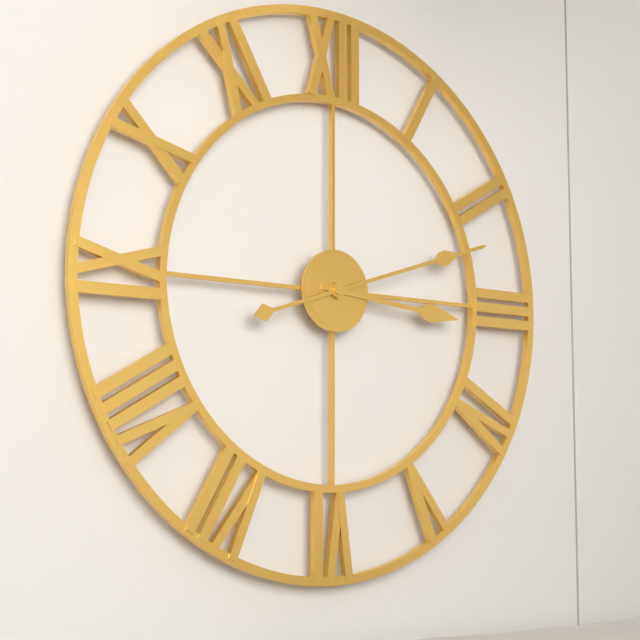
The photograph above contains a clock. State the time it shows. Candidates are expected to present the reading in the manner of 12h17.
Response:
3h12
